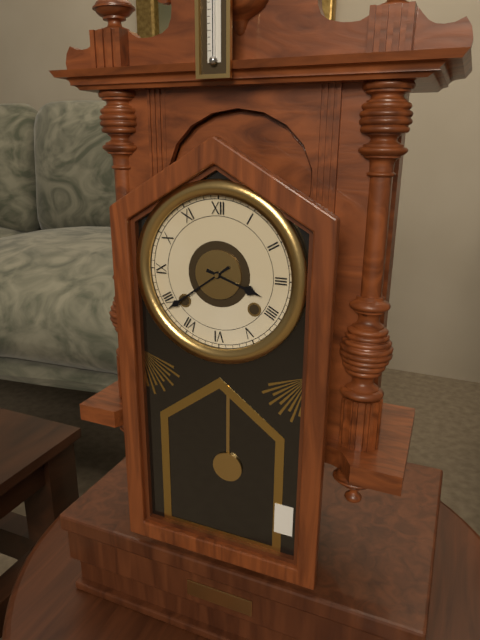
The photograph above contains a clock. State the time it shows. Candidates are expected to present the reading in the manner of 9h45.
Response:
3h39
